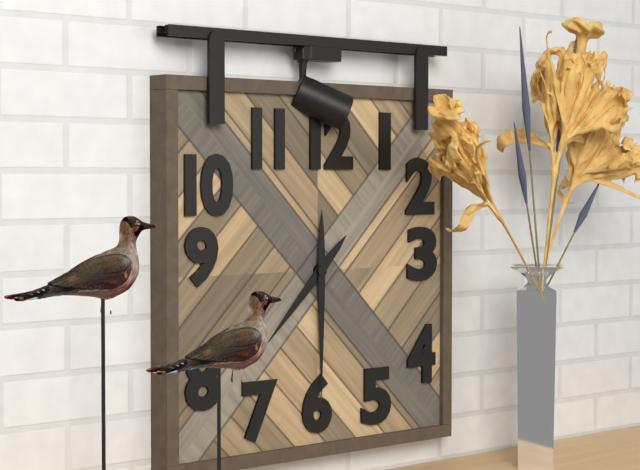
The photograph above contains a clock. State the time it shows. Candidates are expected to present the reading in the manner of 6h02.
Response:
7h30
